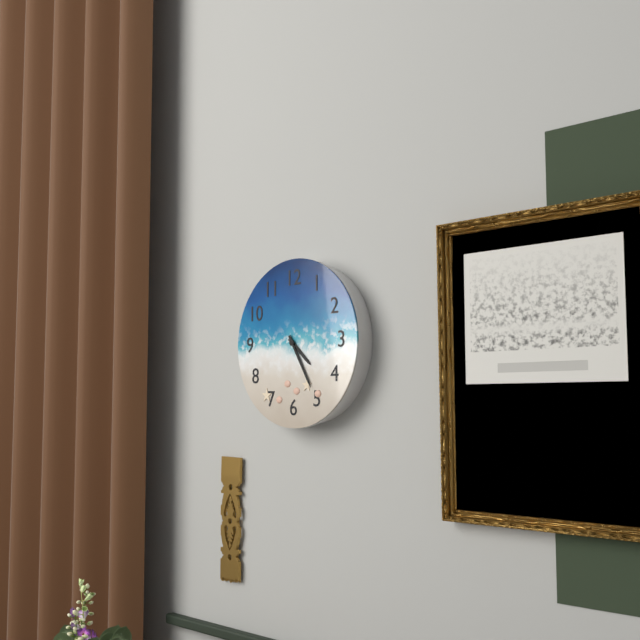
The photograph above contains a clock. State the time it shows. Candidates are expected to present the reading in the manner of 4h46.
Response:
4h25
